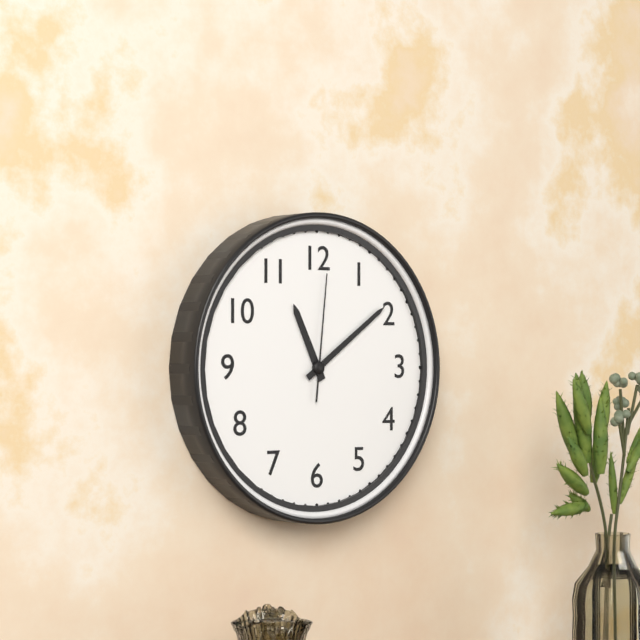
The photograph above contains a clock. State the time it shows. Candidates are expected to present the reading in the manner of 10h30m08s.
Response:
11h09m01s
